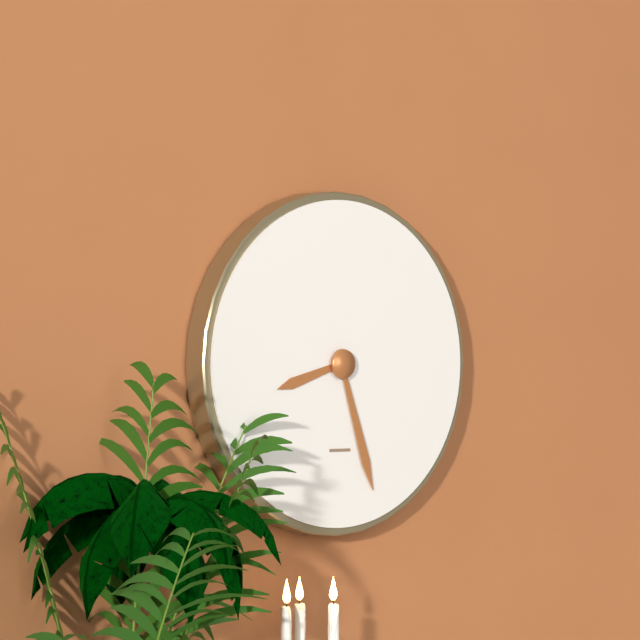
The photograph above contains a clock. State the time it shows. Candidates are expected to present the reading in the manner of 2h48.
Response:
8h27
